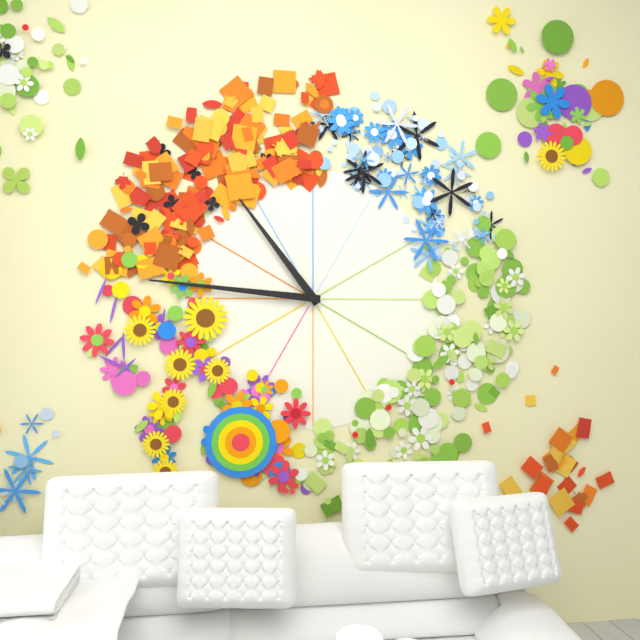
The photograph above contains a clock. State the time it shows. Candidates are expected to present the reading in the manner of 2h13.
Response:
10h46
